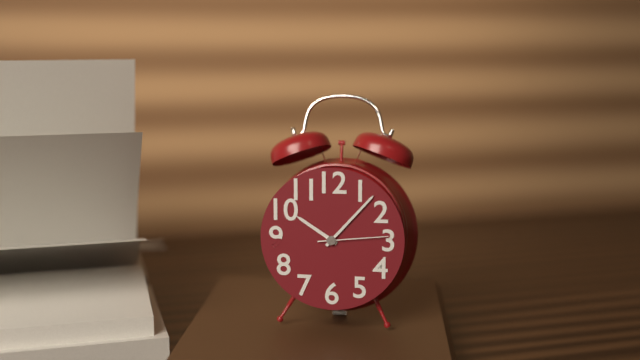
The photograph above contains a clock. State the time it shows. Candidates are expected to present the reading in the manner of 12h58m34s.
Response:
10h07m14s
